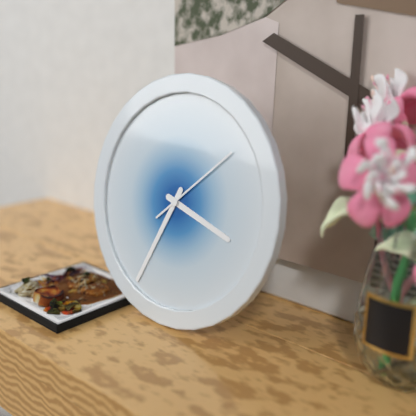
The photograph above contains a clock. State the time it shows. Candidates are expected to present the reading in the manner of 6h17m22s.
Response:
3h34m08s
